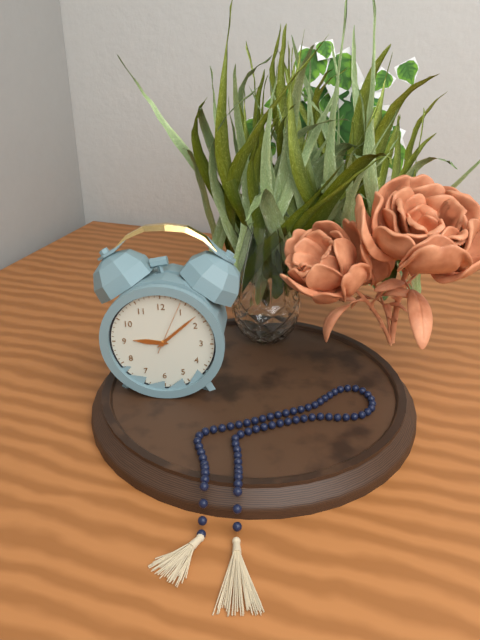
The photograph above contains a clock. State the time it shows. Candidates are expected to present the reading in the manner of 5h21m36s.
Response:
9h08m04s
